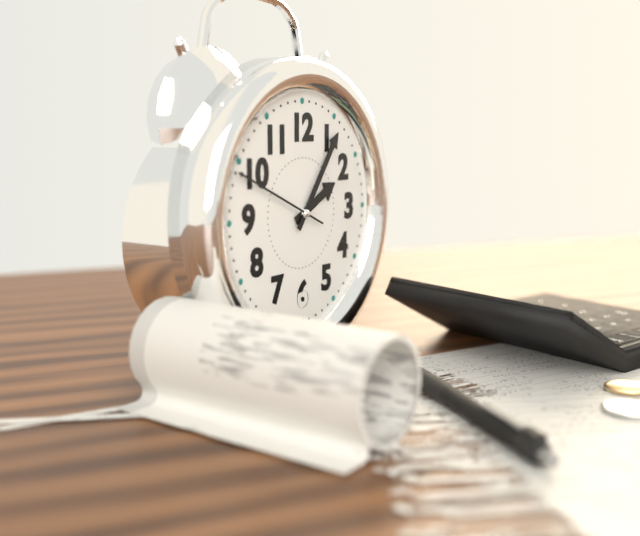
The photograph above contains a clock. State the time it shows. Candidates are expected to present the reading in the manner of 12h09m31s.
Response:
2h06m49s
